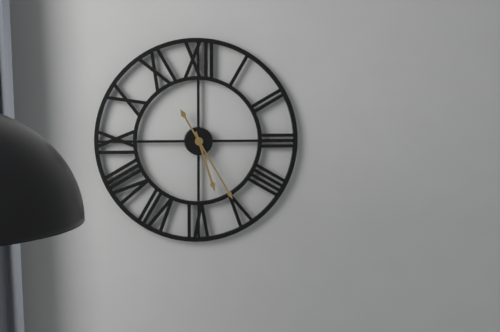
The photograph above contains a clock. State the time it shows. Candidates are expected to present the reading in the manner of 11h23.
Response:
5h25
